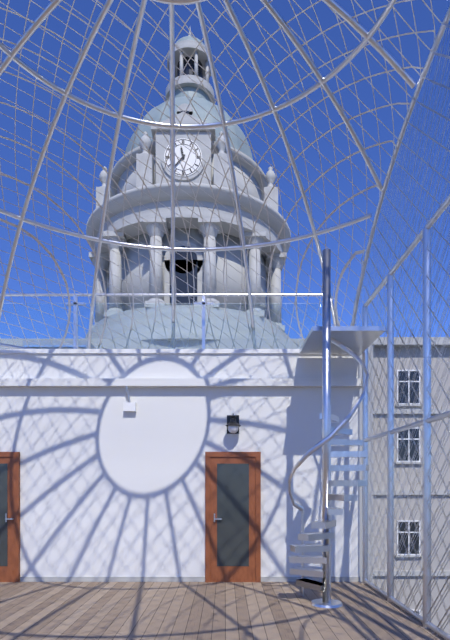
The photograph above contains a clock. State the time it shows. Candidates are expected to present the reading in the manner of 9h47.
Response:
11h37
